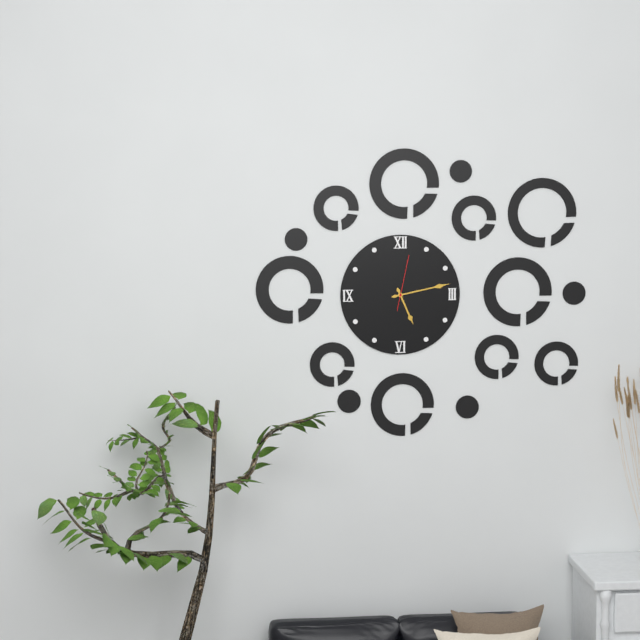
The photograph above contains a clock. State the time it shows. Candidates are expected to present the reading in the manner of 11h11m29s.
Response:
5h13m02s
